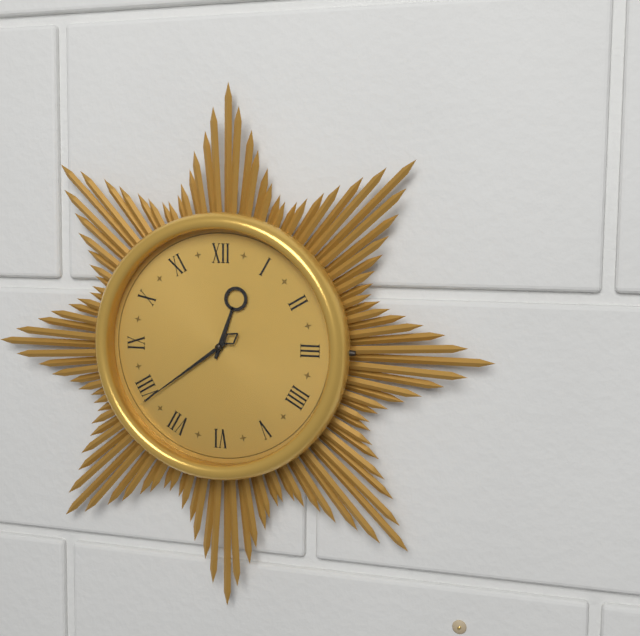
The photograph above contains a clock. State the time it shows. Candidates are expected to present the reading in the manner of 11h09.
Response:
12h39
